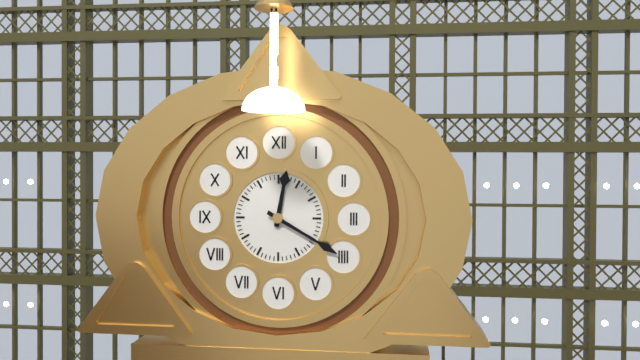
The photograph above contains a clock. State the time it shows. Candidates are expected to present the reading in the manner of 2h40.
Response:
12h20
